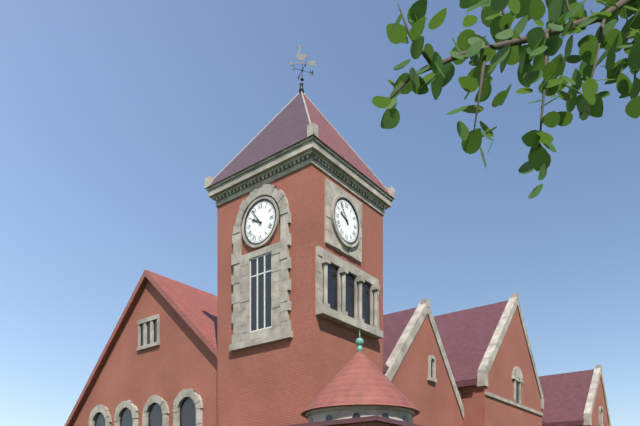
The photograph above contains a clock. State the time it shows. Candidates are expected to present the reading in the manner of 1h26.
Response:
9h54
